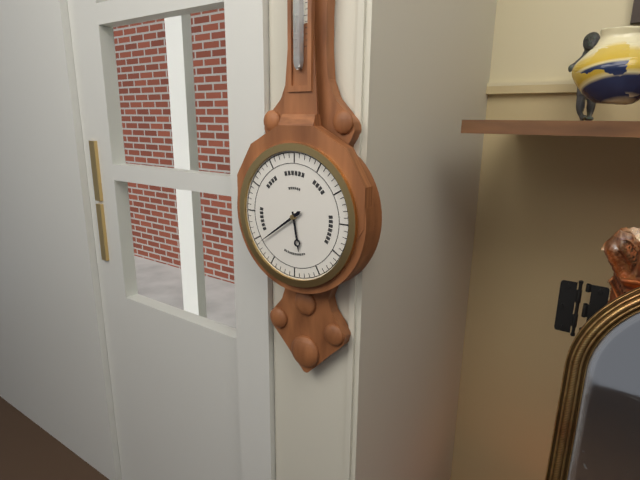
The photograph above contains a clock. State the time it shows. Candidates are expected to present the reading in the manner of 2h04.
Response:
5h39
